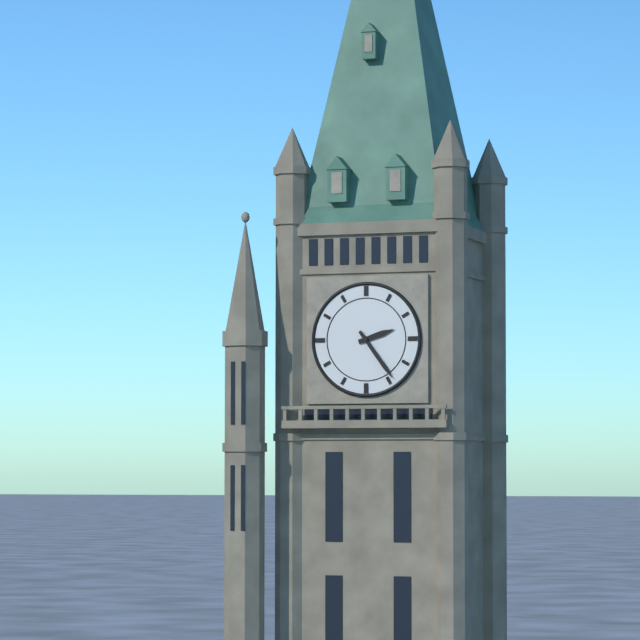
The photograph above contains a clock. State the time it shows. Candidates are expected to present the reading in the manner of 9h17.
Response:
2h24
